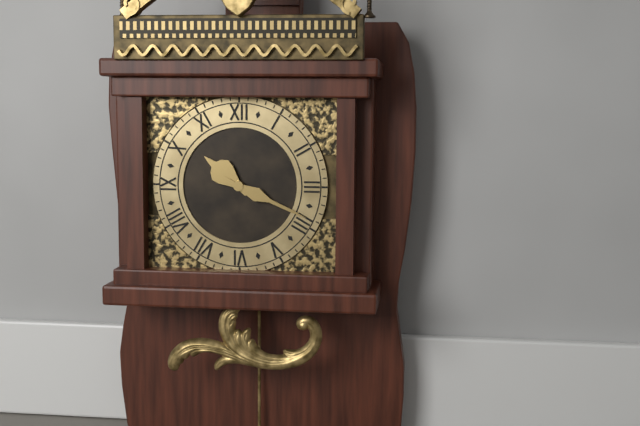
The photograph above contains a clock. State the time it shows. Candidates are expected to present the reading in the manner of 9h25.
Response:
10h19
